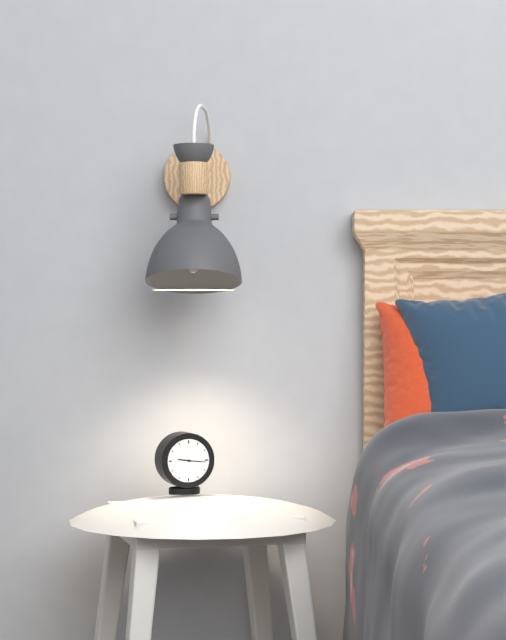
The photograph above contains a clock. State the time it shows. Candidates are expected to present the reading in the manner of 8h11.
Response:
9h16
